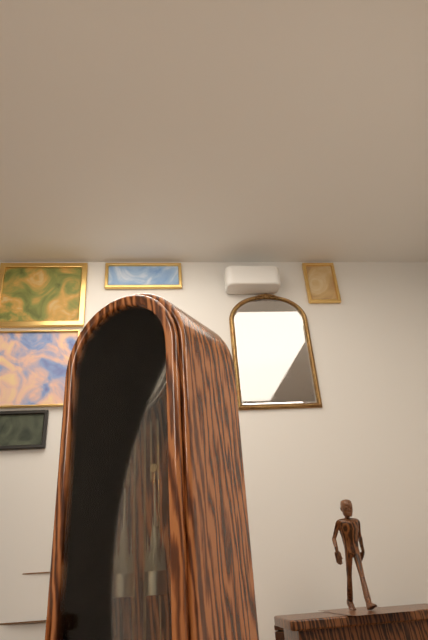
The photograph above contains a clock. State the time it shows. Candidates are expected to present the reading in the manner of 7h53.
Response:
11h50
